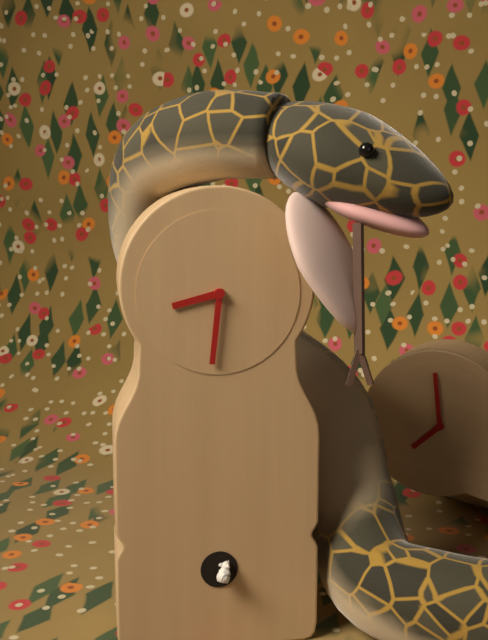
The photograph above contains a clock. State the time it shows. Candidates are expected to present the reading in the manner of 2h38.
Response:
8h31
